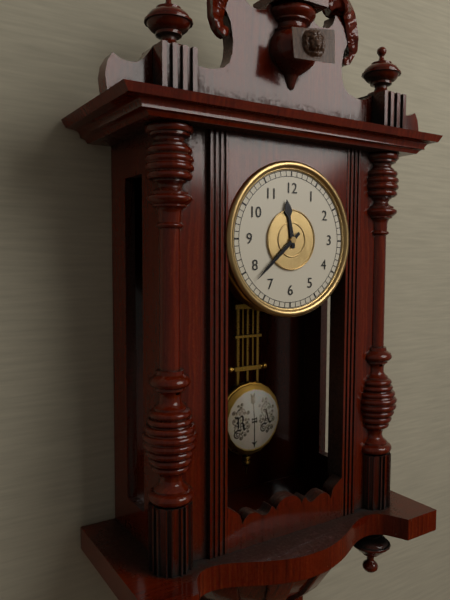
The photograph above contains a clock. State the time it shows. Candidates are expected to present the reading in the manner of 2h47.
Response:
11h38
